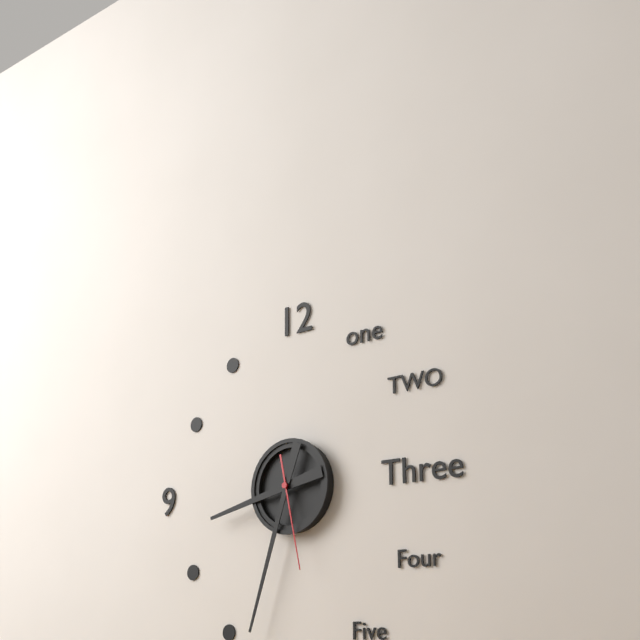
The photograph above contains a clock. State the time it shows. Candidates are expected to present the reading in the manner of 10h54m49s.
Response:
8h33m28s
